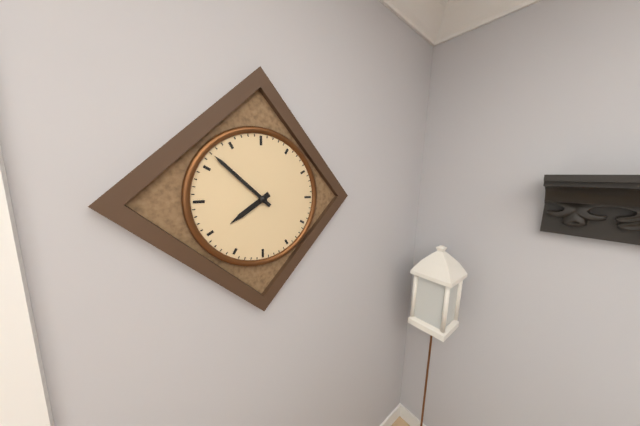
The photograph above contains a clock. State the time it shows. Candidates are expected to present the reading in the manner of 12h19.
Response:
7h52
